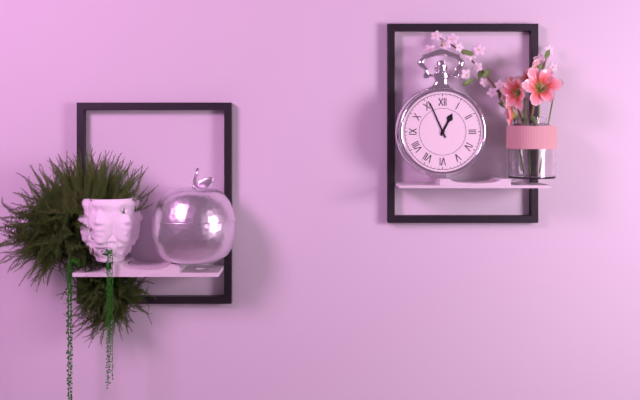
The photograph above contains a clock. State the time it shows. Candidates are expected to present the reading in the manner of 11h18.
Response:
12h56
